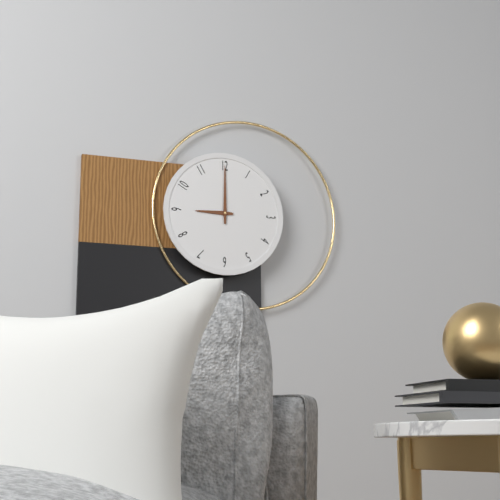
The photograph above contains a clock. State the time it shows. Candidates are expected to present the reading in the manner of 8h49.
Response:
9h00
